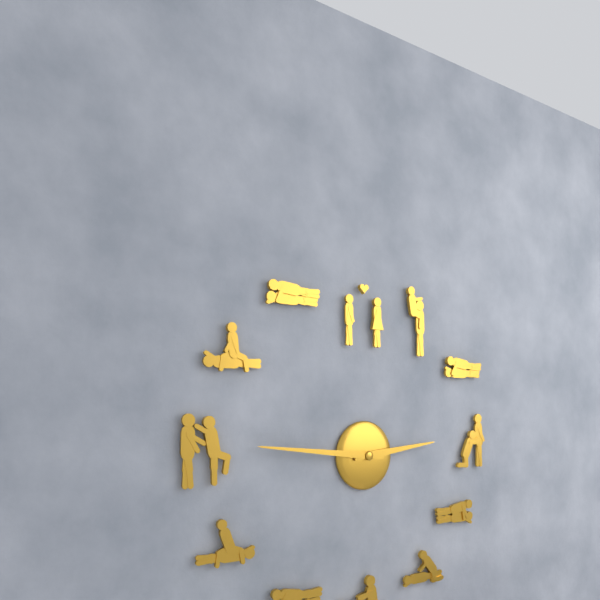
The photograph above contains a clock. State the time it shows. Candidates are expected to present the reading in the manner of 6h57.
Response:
2h46
